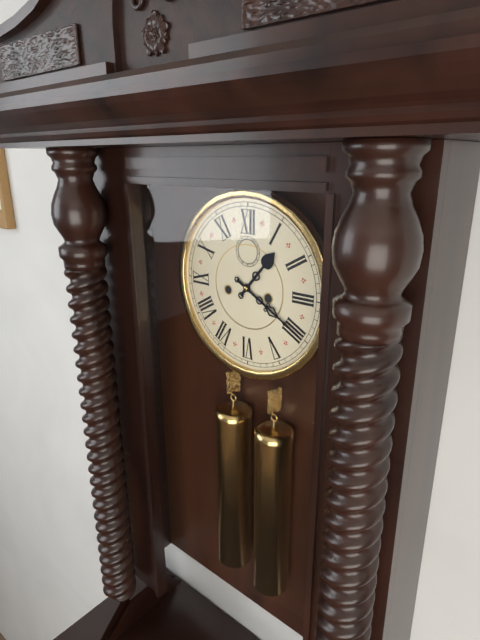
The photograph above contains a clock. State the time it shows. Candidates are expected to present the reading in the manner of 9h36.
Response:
1h20
